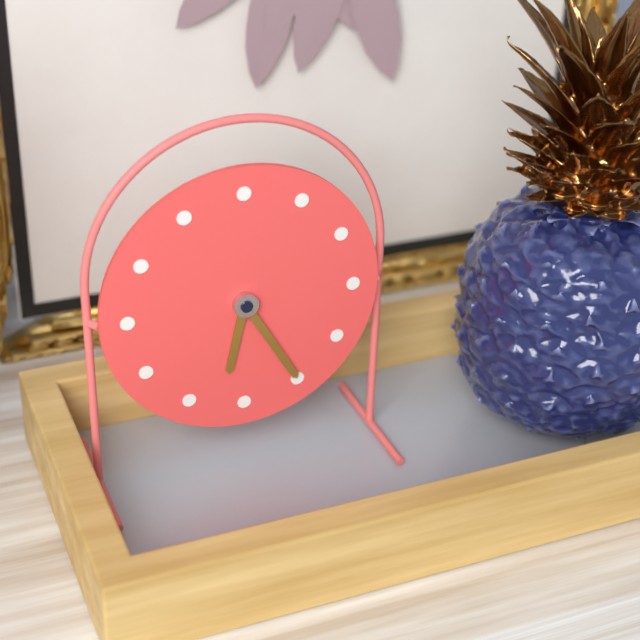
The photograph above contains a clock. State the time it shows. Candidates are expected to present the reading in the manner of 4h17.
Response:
6h25
